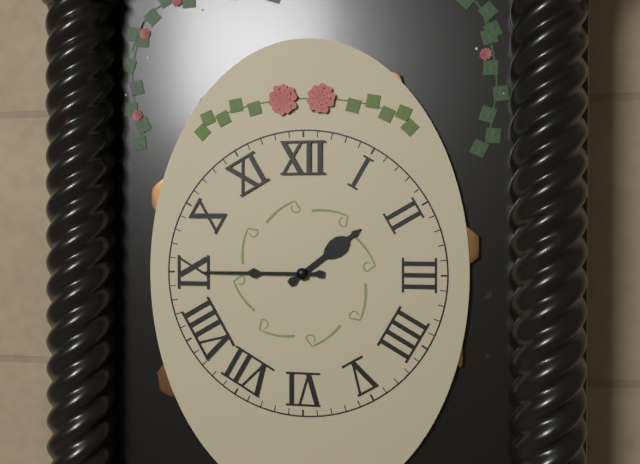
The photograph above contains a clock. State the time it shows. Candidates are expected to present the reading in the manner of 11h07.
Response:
1h45
